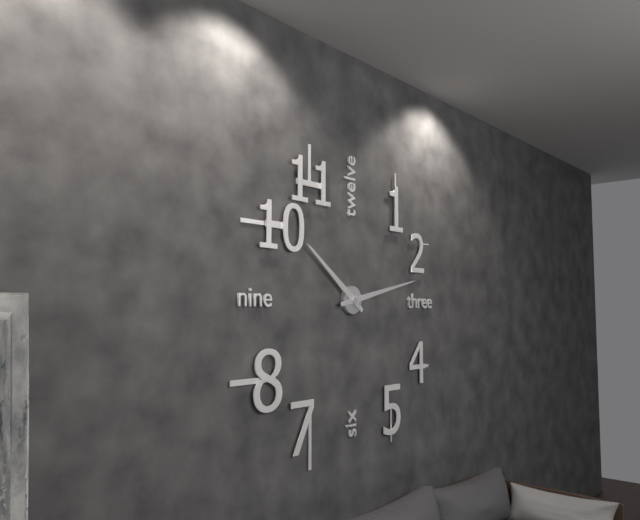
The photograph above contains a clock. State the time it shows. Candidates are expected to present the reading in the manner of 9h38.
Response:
10h13
